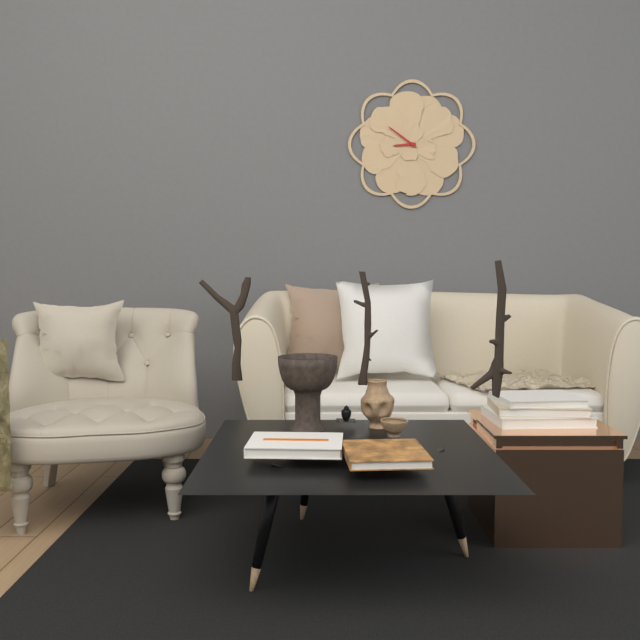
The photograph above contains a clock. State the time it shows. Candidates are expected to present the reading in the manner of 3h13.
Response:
8h51
